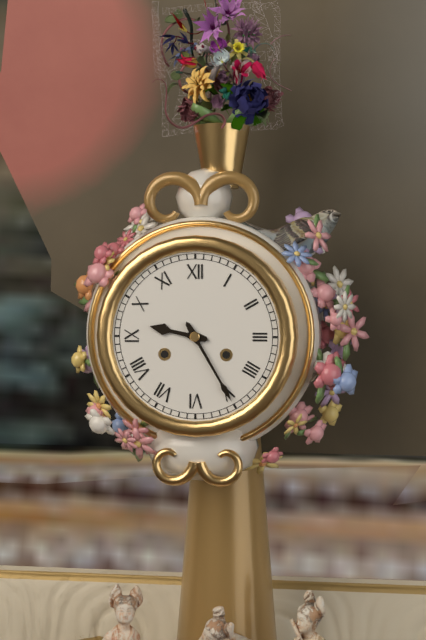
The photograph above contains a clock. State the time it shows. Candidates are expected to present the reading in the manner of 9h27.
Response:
9h25
